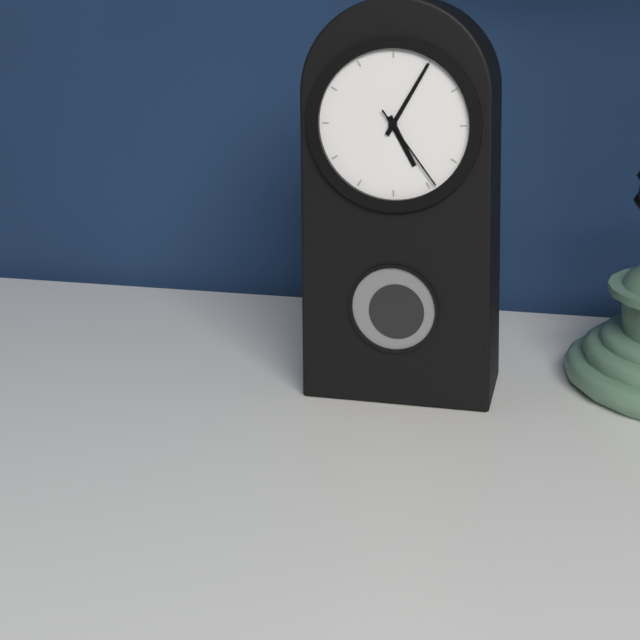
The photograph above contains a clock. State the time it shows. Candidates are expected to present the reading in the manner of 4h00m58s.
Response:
5h05m24s
